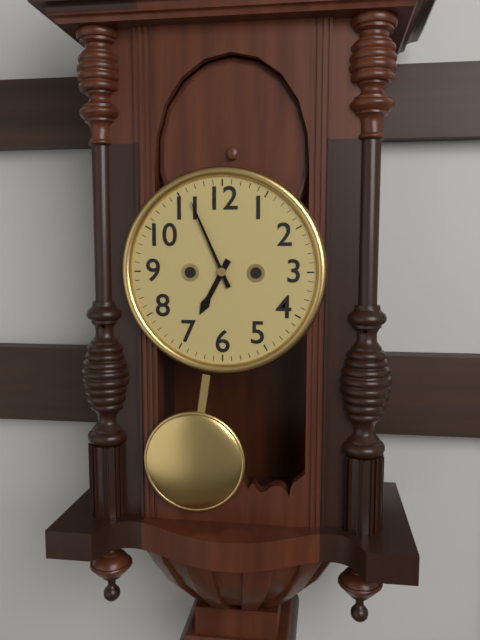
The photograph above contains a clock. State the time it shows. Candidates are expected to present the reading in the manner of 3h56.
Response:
6h56
